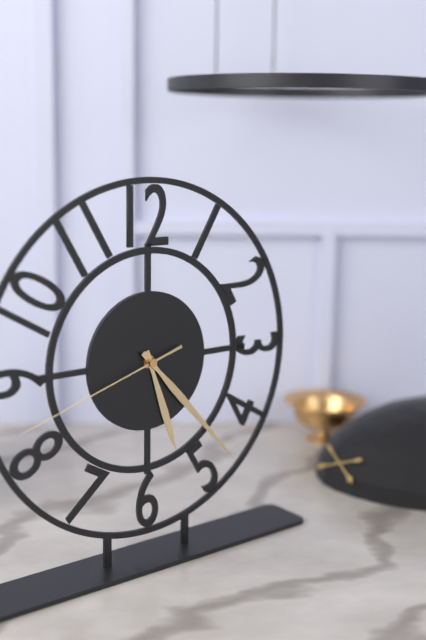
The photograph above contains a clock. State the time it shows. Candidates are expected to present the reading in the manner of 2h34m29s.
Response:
5h23m42s
